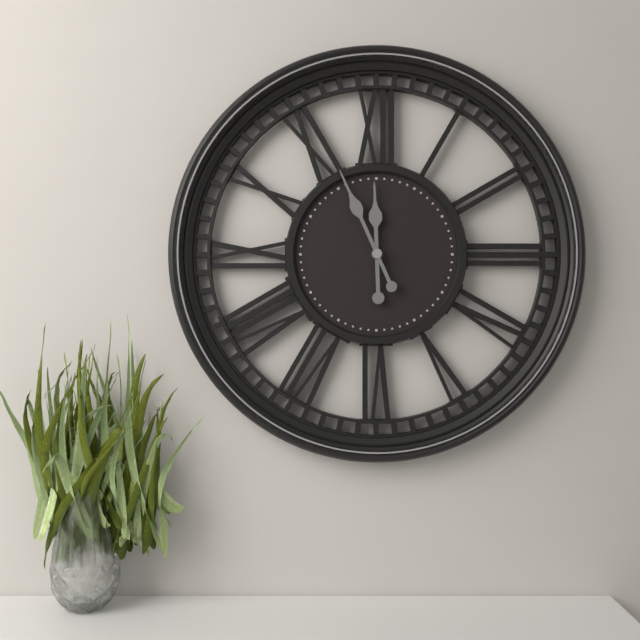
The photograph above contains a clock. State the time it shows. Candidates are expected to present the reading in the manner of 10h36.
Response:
11h56
